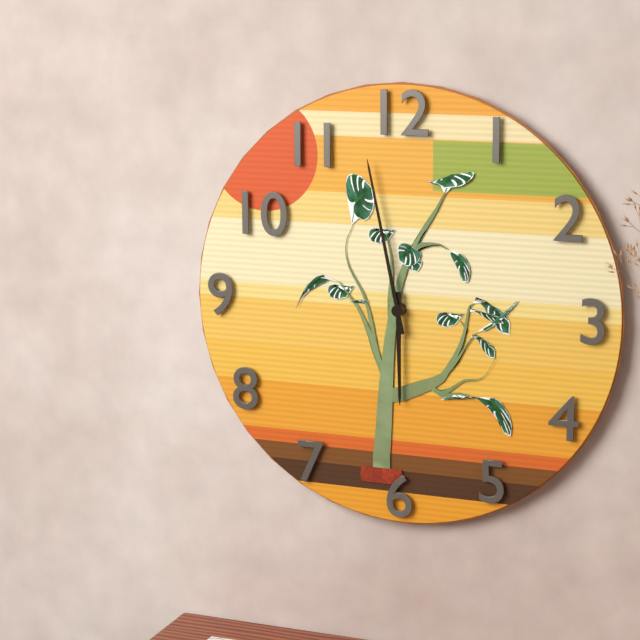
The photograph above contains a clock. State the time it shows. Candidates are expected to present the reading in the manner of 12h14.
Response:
5h58
